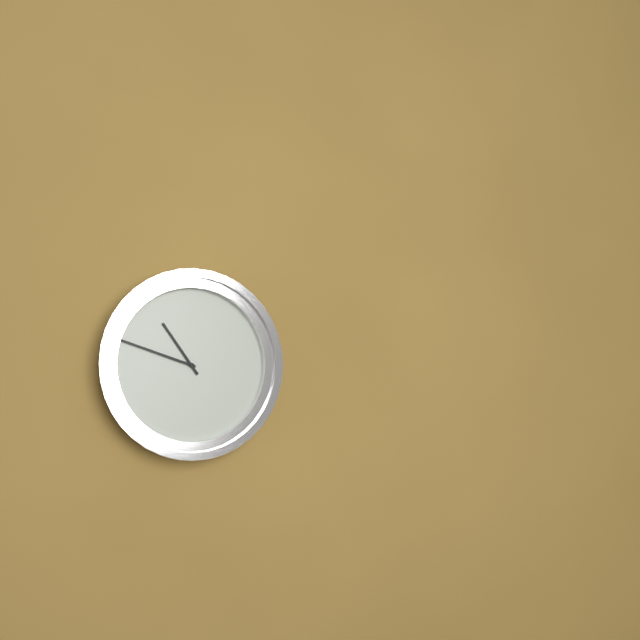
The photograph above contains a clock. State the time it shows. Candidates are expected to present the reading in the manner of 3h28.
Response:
10h48
